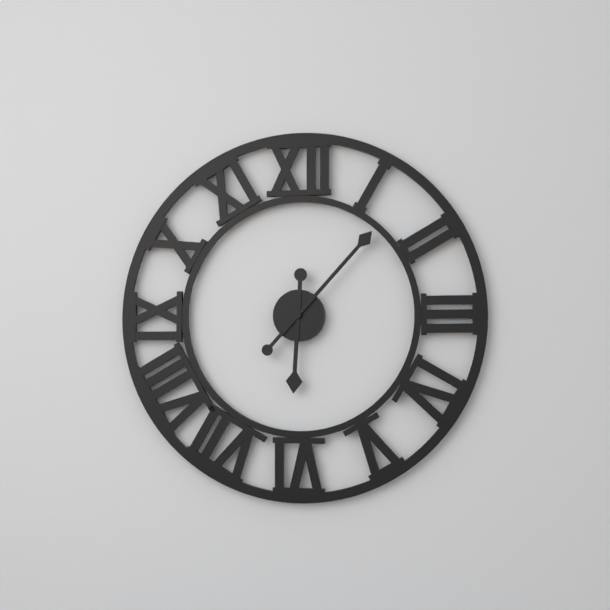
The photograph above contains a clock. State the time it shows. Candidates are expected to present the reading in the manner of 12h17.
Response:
6h07
